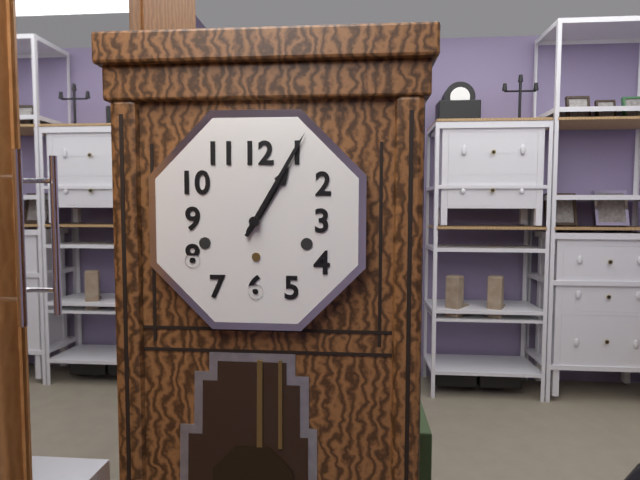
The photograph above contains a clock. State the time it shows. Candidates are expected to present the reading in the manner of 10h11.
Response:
1h05
